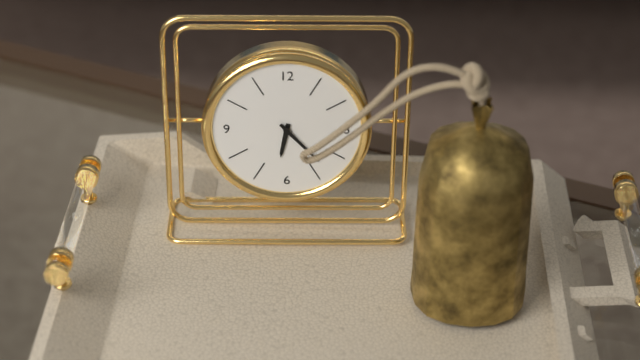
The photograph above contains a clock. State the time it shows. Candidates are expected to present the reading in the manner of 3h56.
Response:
6h23
